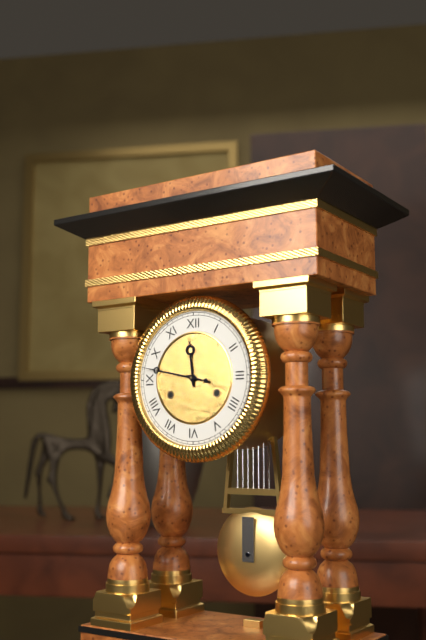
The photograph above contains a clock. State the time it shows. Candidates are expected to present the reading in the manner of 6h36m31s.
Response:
11h47m47s
